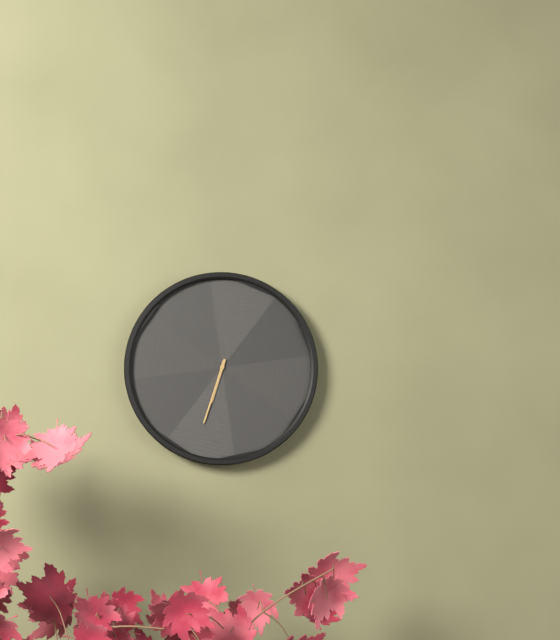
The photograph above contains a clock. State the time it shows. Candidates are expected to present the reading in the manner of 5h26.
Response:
6h33
